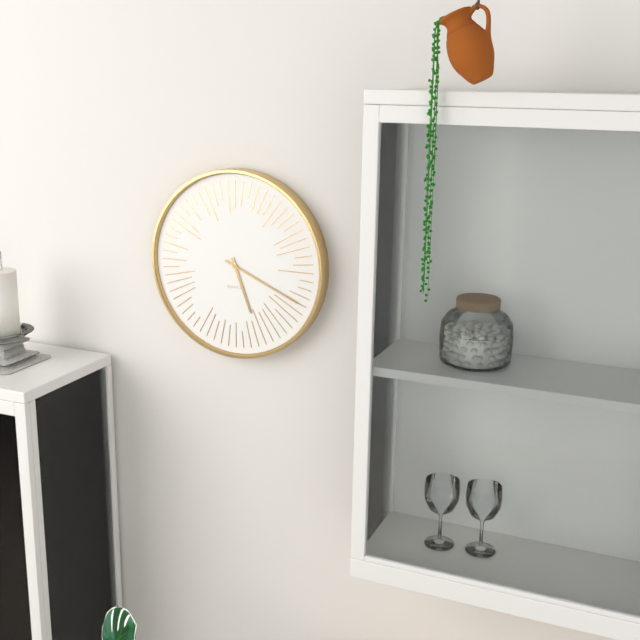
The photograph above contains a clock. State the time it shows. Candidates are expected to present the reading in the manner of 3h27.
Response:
5h19
